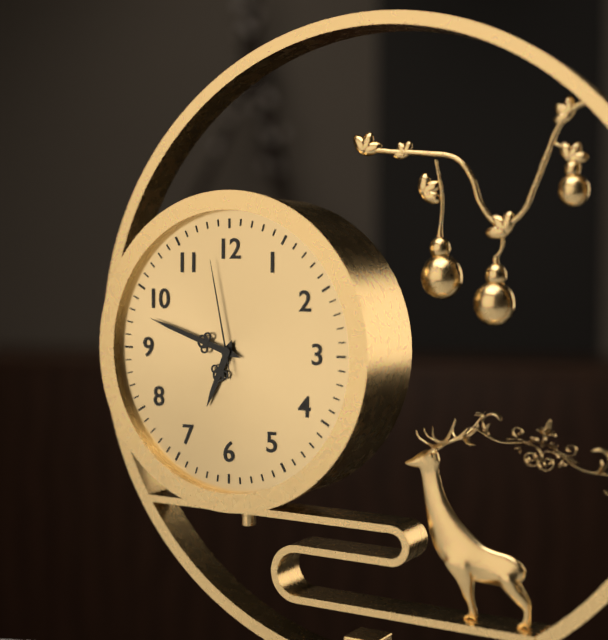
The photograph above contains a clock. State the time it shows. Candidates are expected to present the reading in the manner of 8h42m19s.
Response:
6h48m58s
